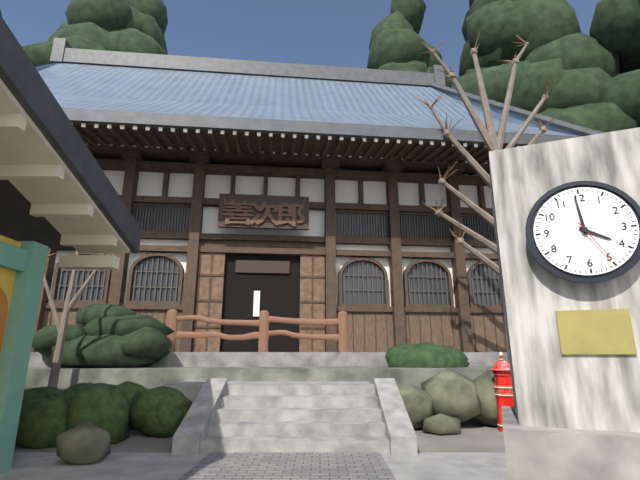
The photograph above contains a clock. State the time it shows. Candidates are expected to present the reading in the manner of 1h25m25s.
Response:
3h59m25s
